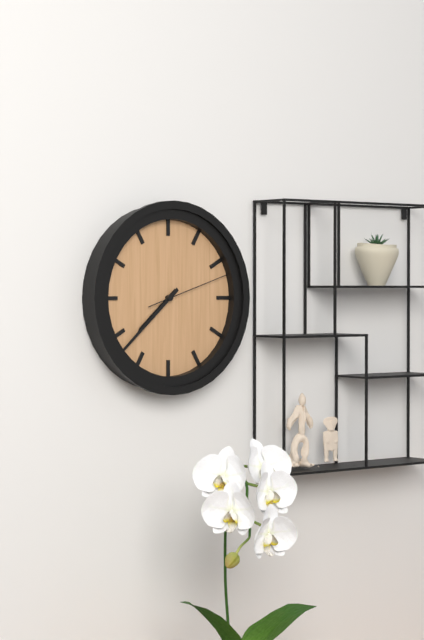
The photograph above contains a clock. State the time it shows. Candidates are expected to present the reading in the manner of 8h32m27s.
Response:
7h38m12s
